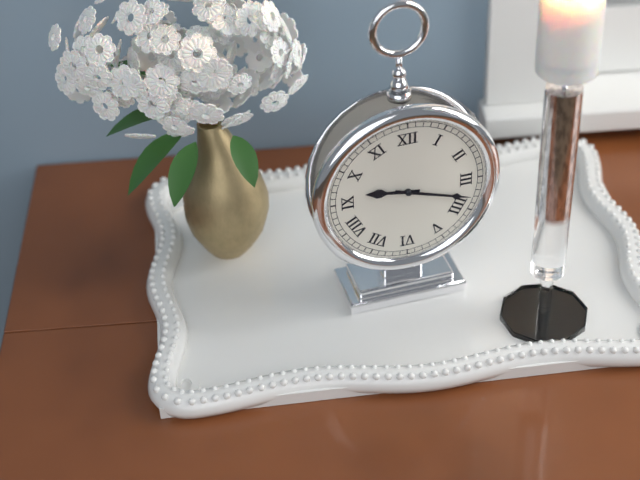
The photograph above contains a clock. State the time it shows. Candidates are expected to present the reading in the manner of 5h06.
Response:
9h18
